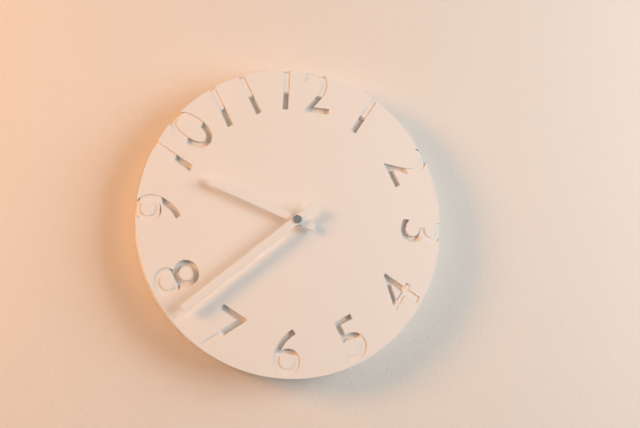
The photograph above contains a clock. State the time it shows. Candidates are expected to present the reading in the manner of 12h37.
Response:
9h38
